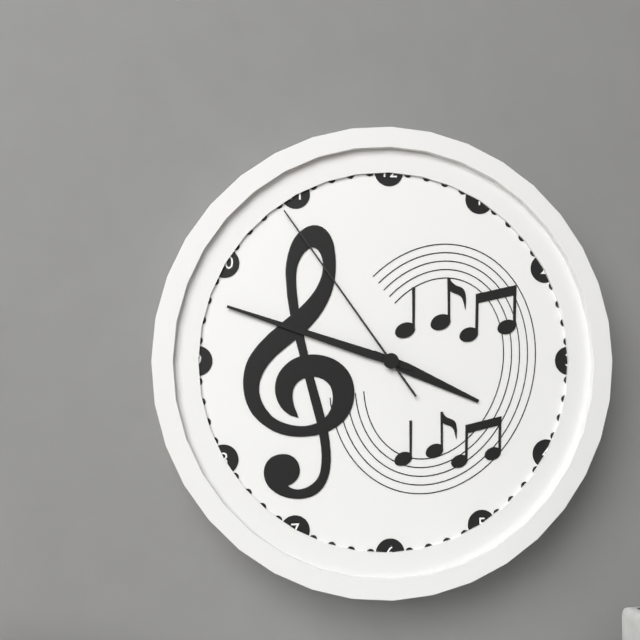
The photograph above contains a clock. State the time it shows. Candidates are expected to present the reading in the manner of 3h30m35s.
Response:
3h48m54s
